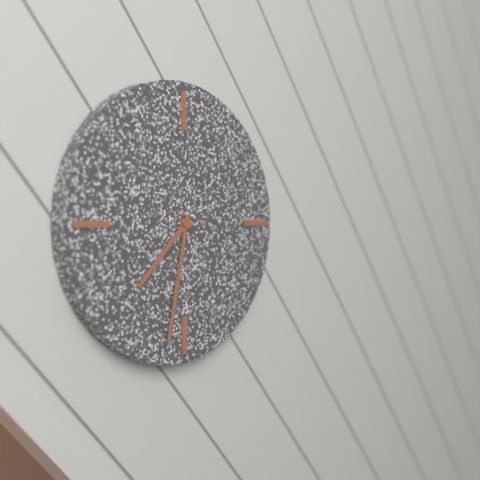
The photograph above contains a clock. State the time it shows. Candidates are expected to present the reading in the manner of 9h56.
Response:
7h32
